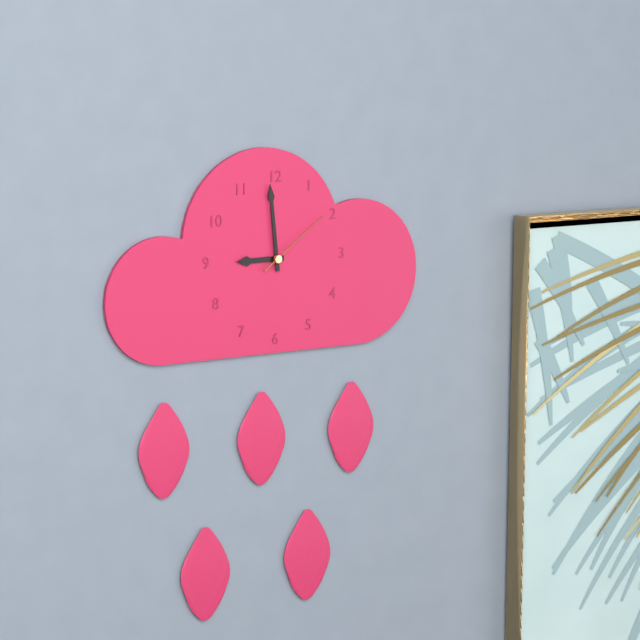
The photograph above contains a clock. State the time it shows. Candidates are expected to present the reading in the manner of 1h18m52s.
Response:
8h59m09s
